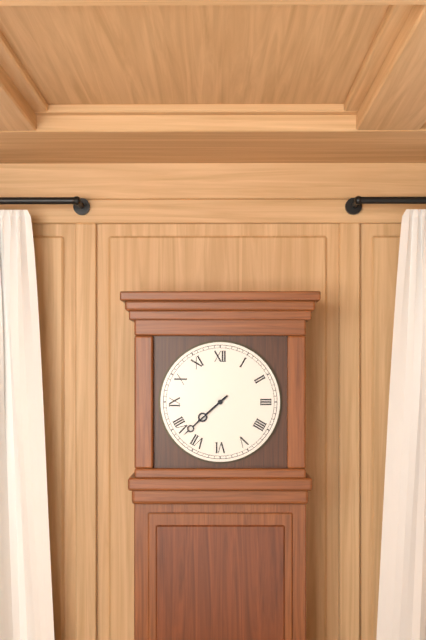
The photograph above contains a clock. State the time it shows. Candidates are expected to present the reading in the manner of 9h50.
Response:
7h38
